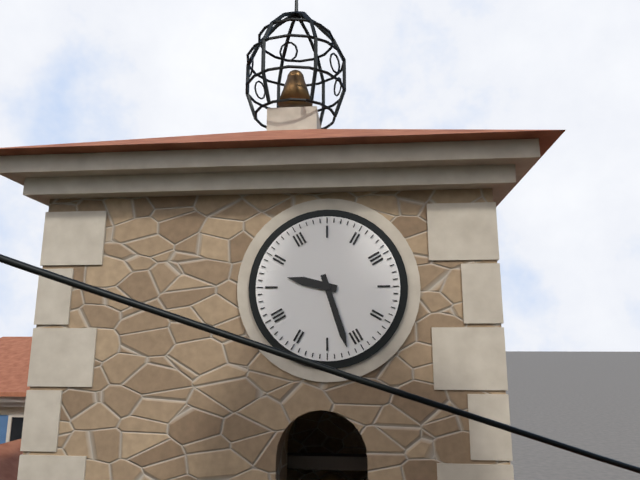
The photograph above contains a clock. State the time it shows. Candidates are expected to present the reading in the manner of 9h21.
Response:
9h27
